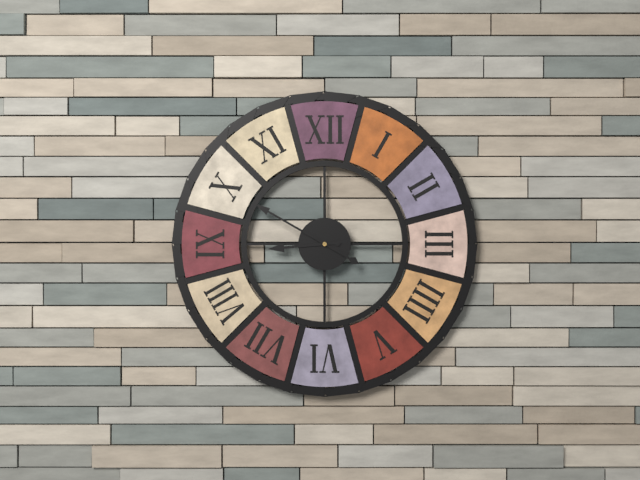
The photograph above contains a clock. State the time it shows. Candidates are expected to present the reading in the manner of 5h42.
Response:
8h50
